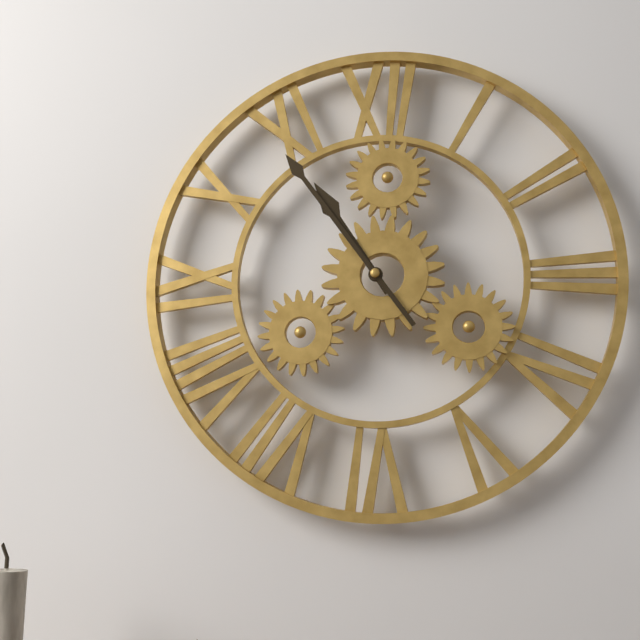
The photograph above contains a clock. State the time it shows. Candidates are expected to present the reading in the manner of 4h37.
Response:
10h54
